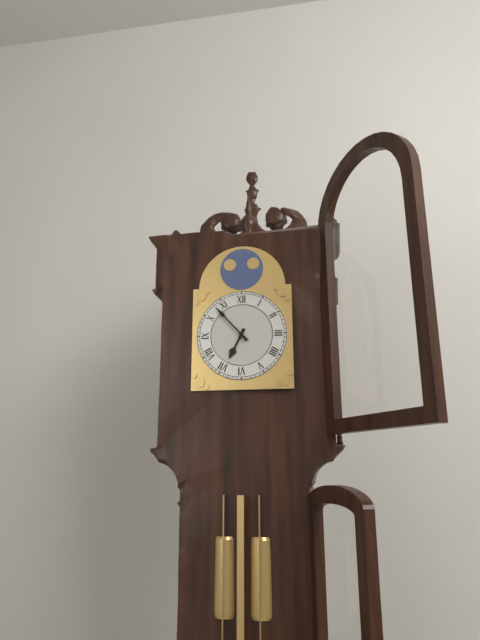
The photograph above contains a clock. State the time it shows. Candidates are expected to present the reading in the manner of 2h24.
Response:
6h53
